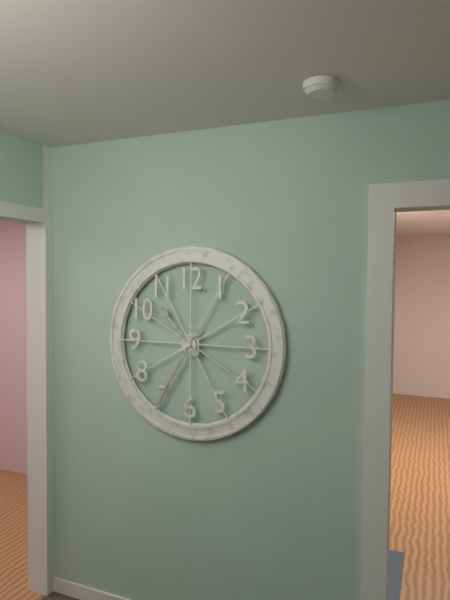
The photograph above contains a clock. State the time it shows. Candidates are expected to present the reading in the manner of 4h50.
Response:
10h35
